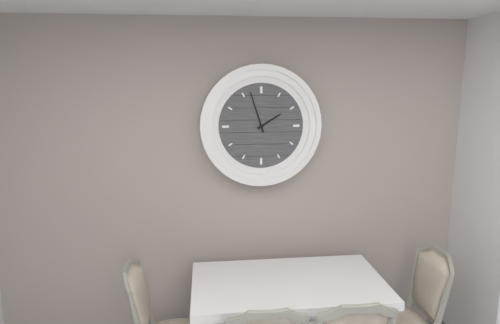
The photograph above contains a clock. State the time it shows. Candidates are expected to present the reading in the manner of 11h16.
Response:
1h57
